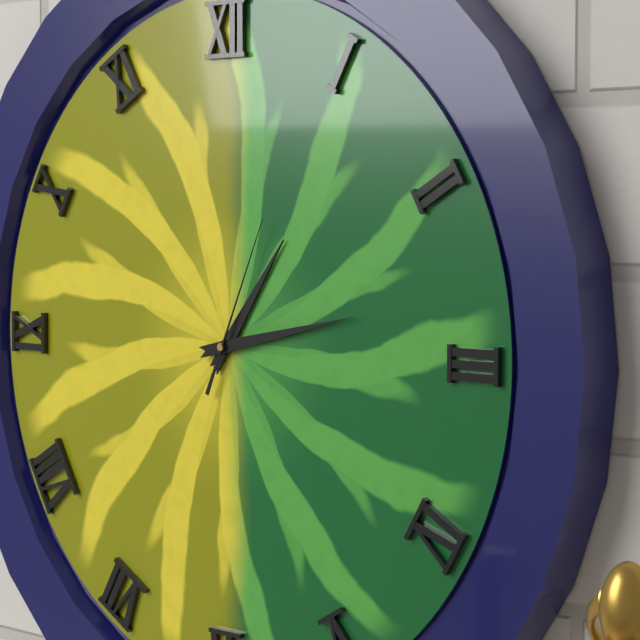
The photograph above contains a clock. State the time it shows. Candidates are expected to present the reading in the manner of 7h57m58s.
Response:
1h13m04s
